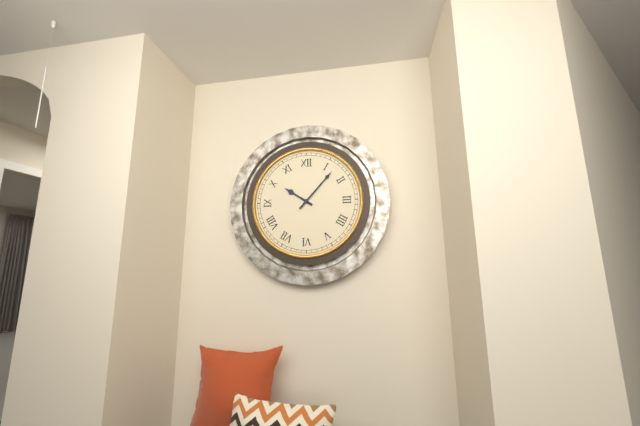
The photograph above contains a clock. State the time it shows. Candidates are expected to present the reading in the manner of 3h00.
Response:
10h07
